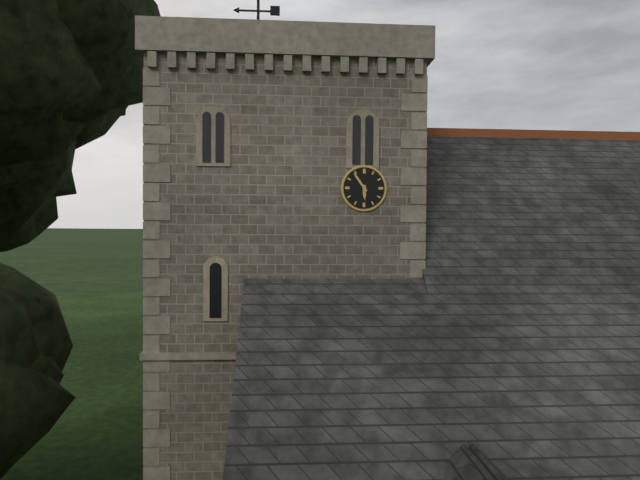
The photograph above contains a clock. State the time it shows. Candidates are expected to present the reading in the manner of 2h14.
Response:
5h54
